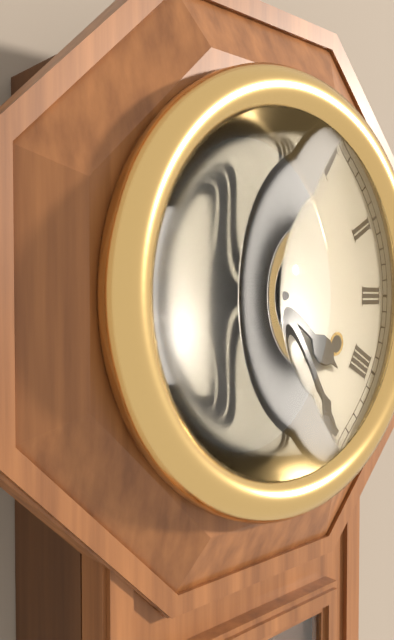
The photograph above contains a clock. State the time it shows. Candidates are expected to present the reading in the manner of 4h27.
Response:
4h25
